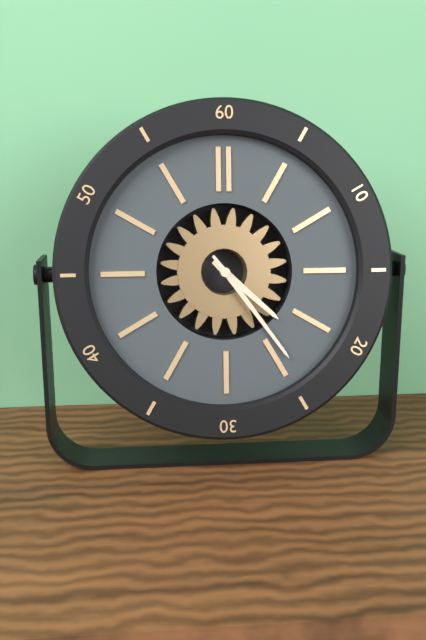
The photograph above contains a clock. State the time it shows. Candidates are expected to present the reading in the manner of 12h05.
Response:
4h24
